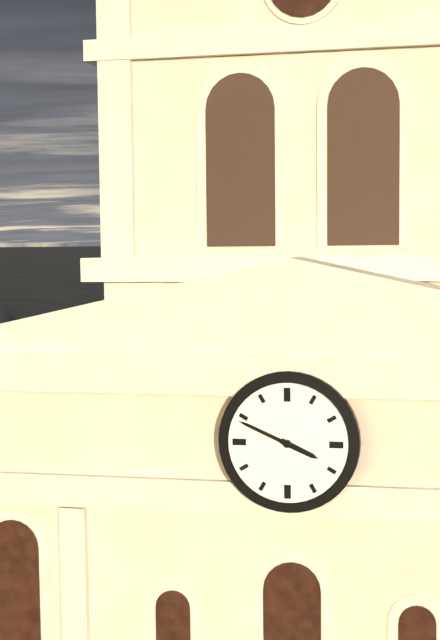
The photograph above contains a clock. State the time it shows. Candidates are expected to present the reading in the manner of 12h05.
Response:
3h49
